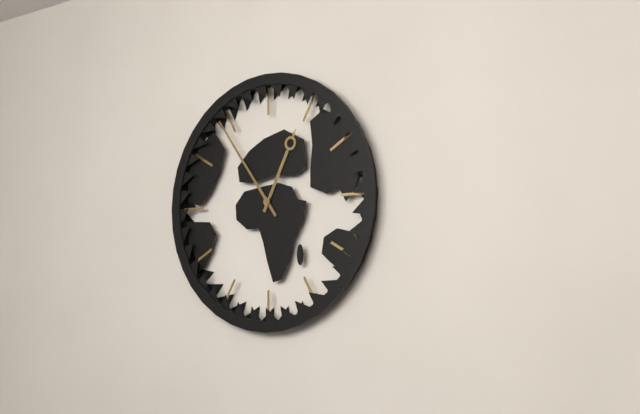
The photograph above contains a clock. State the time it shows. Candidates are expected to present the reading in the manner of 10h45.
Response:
12h54
